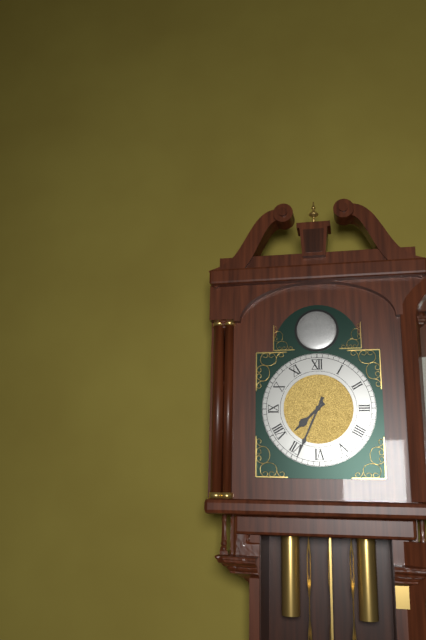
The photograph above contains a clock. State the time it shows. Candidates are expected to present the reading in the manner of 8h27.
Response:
7h34
